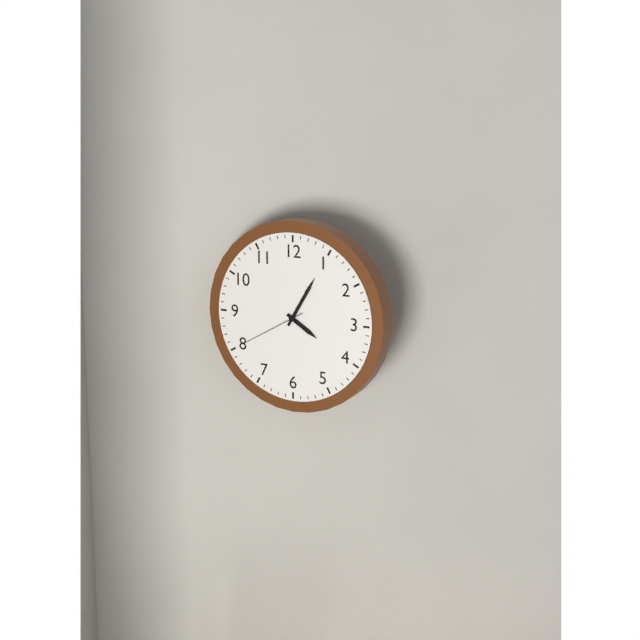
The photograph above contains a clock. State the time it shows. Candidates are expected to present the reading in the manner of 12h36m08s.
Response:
4h05m40s
